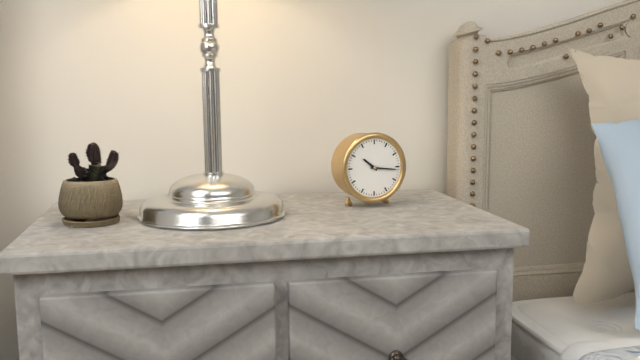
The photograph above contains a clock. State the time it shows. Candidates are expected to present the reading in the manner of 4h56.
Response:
10h16
